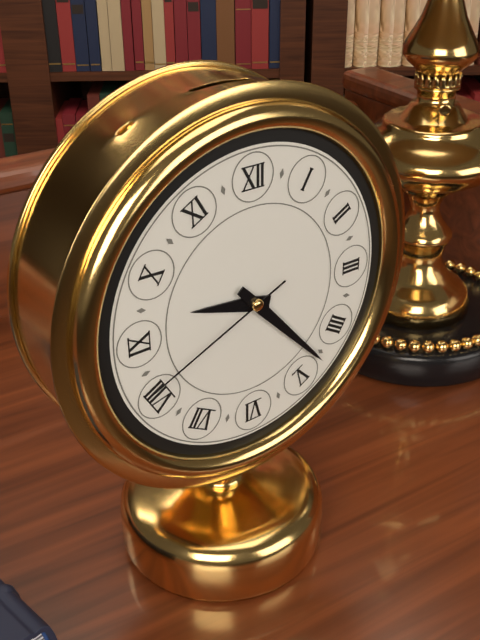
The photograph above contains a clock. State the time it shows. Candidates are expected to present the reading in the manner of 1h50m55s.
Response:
9h23m41s
